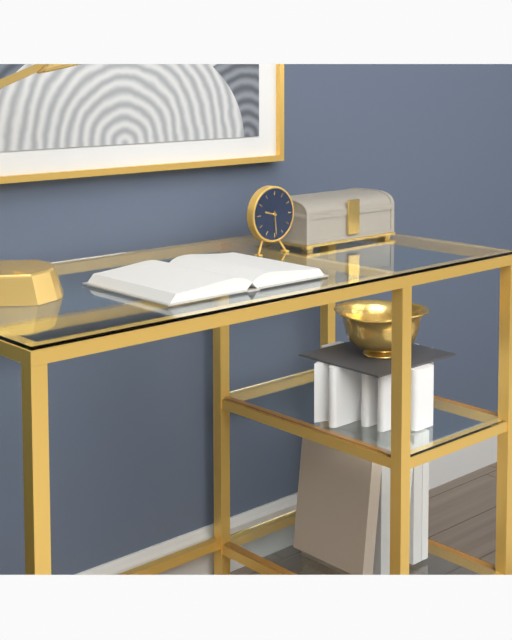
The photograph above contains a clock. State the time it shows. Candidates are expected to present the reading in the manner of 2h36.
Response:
9h29
